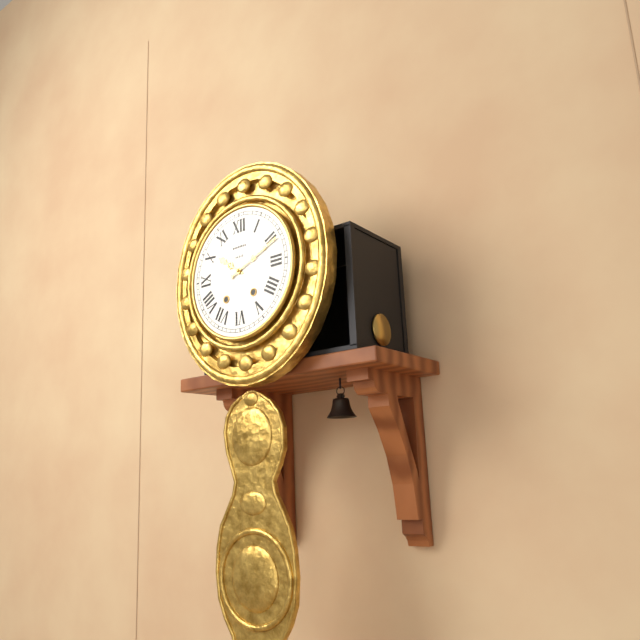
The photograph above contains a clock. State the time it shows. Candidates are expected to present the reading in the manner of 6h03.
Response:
10h11
